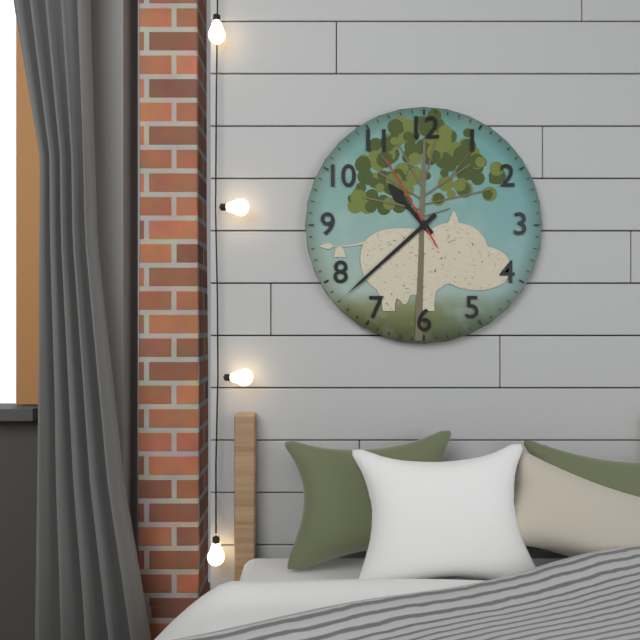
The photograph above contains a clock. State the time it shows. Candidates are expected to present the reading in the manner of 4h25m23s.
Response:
10h38m55s
